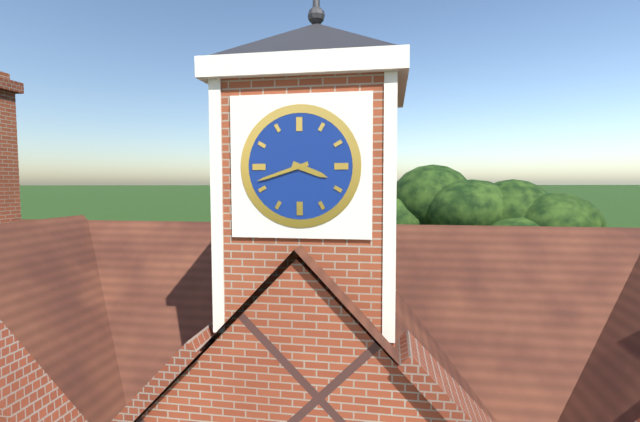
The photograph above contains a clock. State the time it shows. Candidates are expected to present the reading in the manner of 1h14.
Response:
3h42
